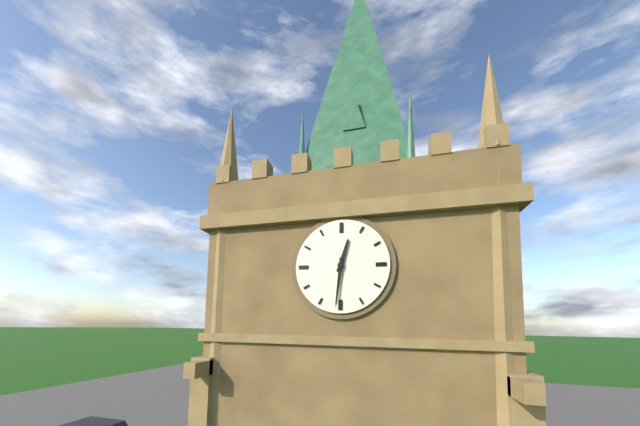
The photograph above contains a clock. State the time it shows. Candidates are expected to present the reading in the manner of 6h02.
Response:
12h31
